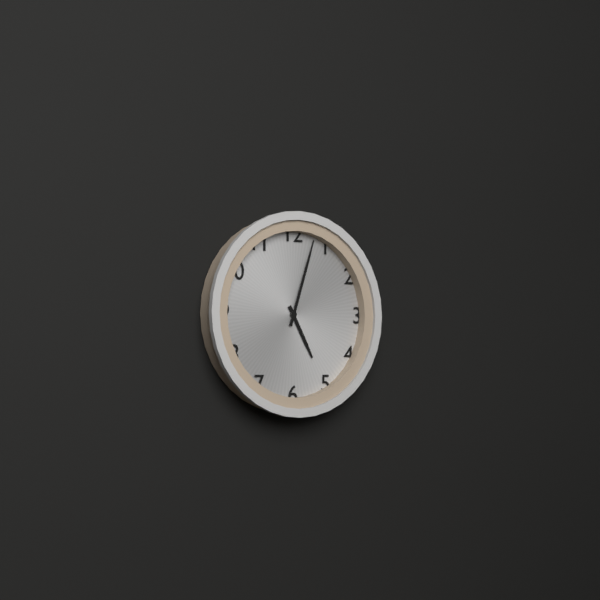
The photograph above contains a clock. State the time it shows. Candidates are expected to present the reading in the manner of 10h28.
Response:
5h03
